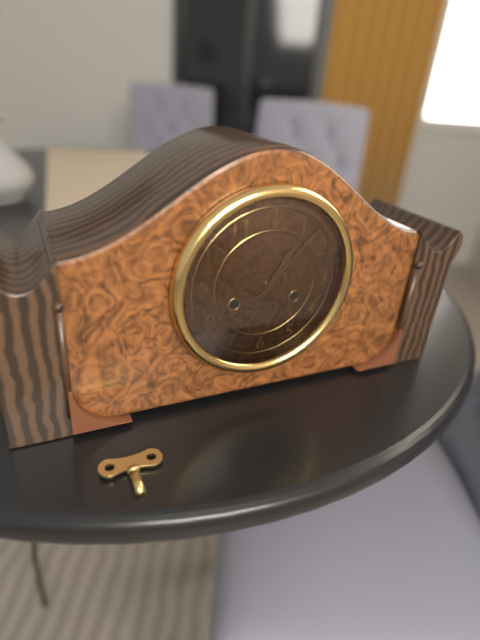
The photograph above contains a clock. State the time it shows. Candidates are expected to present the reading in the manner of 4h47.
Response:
1h07
